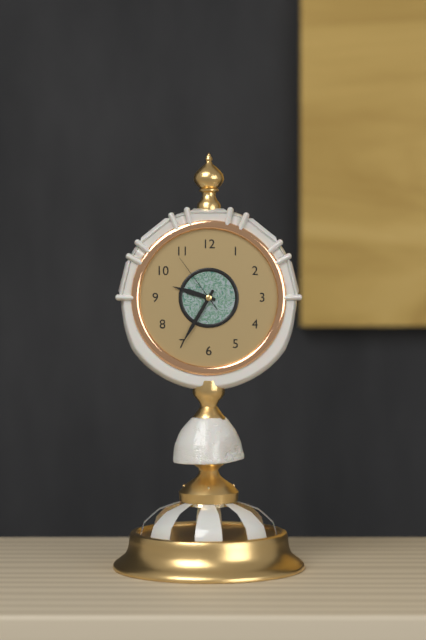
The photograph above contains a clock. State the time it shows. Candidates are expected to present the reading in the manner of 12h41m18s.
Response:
9h35m54s
